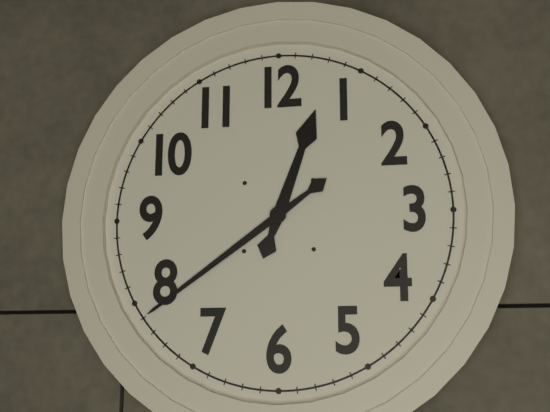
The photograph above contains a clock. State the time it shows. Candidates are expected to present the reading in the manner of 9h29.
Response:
12h39
